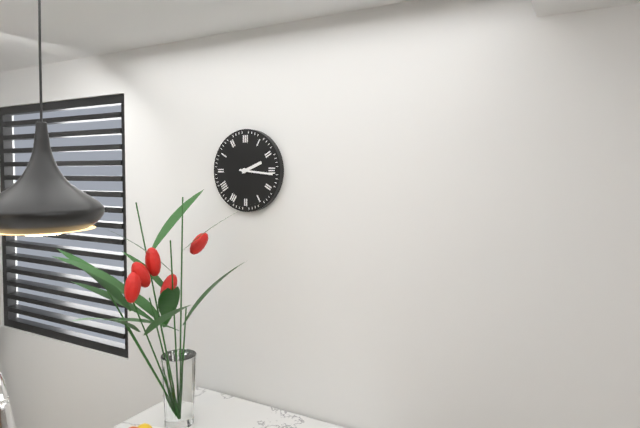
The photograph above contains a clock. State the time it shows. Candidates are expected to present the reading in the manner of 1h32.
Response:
2h16
